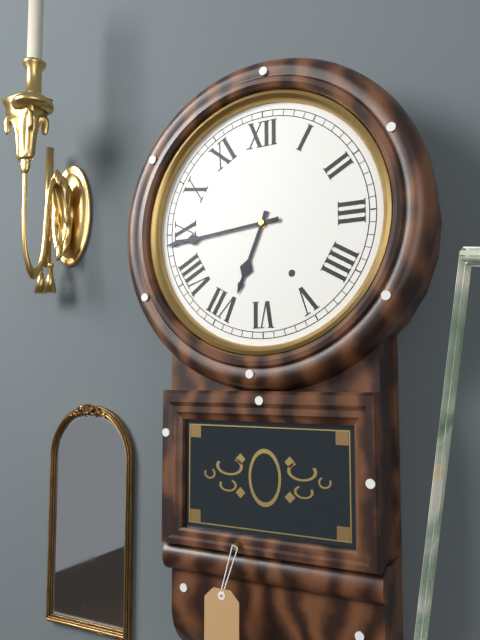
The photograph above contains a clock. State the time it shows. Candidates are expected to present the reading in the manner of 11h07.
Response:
6h44
